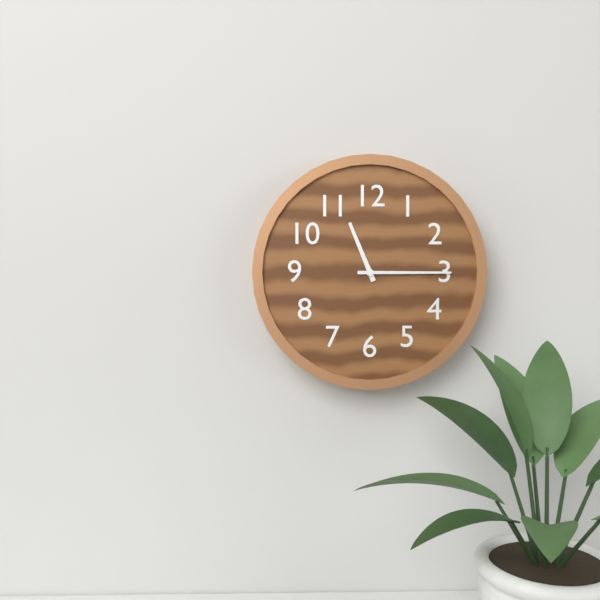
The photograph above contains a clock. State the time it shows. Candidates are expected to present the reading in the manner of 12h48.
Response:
11h15
